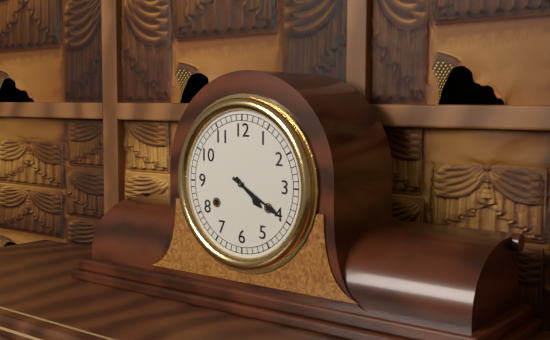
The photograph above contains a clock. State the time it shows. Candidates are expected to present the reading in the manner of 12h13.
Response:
4h20
